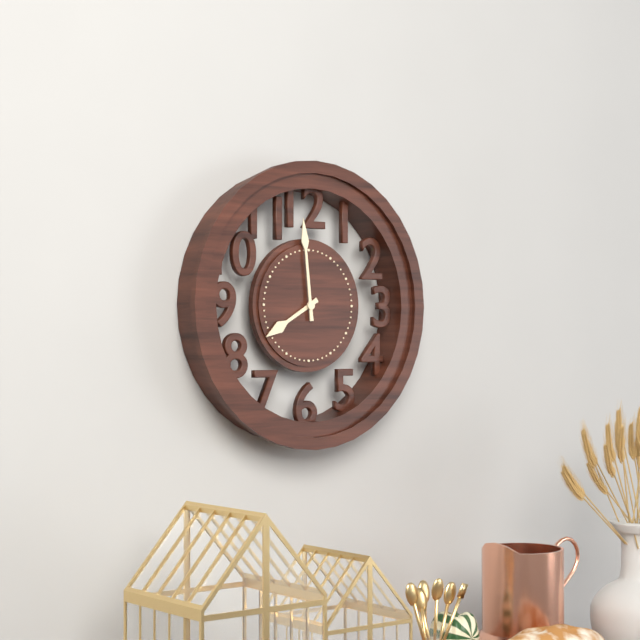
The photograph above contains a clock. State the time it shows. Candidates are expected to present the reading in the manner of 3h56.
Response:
7h59
